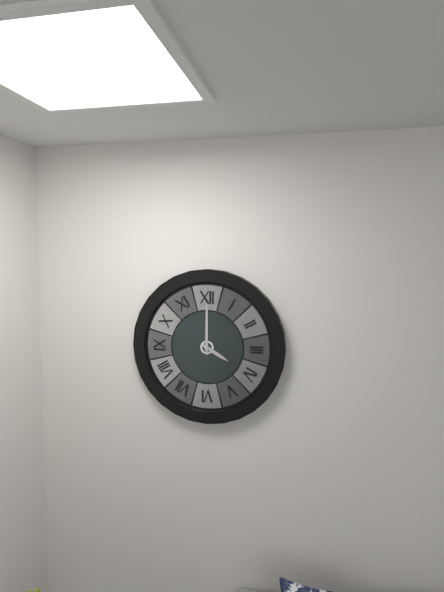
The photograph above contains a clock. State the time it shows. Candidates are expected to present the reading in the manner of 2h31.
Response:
4h00
